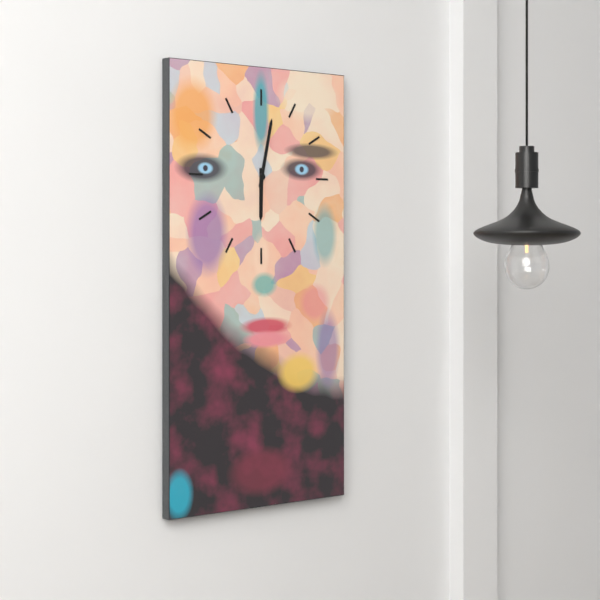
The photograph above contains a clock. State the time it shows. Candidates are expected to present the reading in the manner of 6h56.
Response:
6h02
